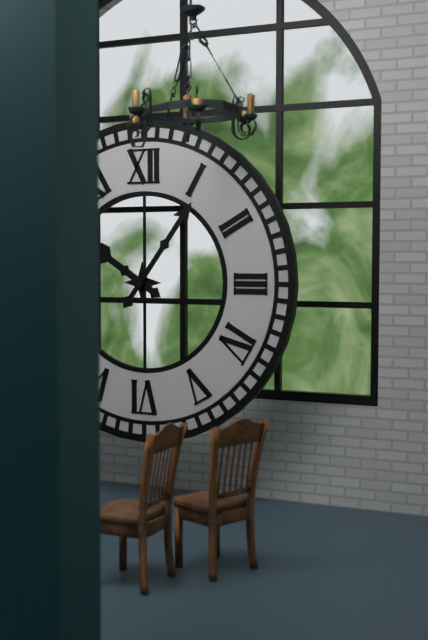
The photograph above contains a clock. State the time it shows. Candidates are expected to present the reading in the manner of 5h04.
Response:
10h06
